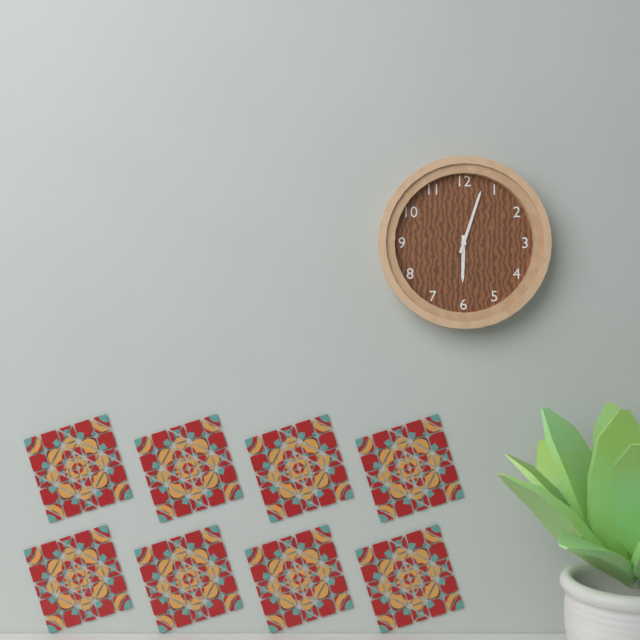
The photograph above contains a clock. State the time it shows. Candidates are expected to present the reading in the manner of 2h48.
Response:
6h03
